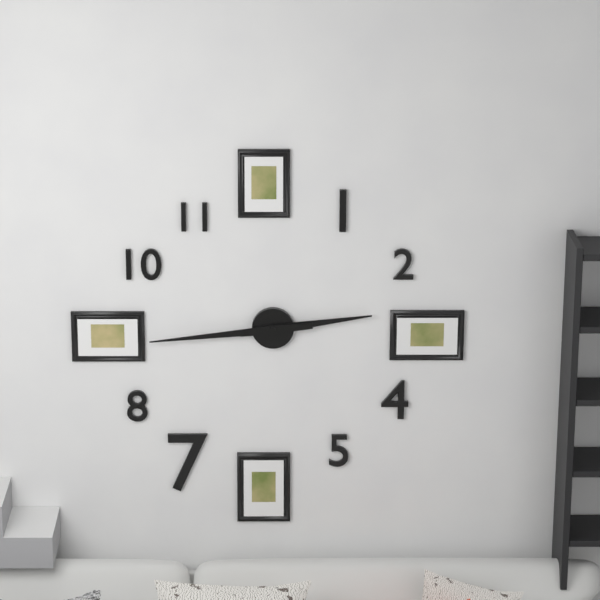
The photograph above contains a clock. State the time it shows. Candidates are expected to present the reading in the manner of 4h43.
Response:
2h44
